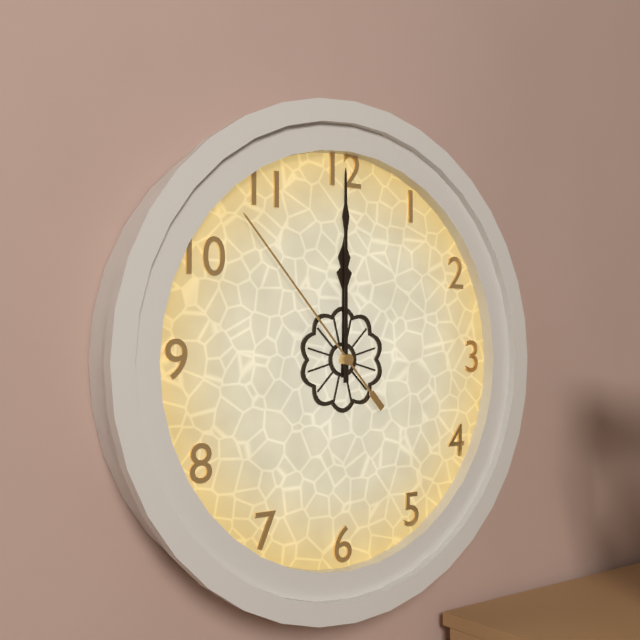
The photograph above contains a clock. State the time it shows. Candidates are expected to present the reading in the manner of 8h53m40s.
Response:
12h00m53s
